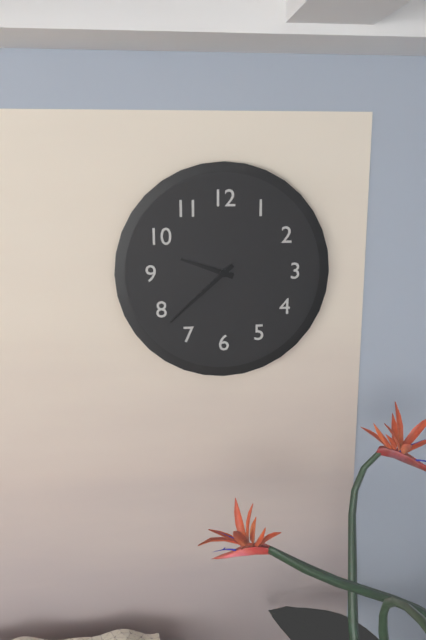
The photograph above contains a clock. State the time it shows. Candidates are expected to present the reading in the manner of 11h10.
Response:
9h38
